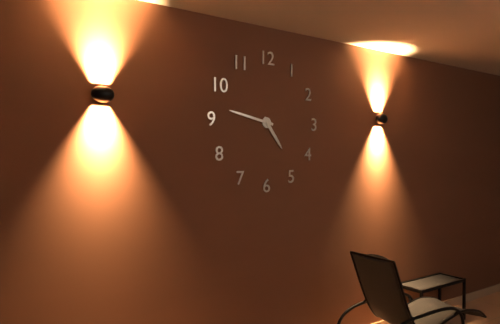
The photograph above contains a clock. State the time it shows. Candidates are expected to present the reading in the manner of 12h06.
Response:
4h47
